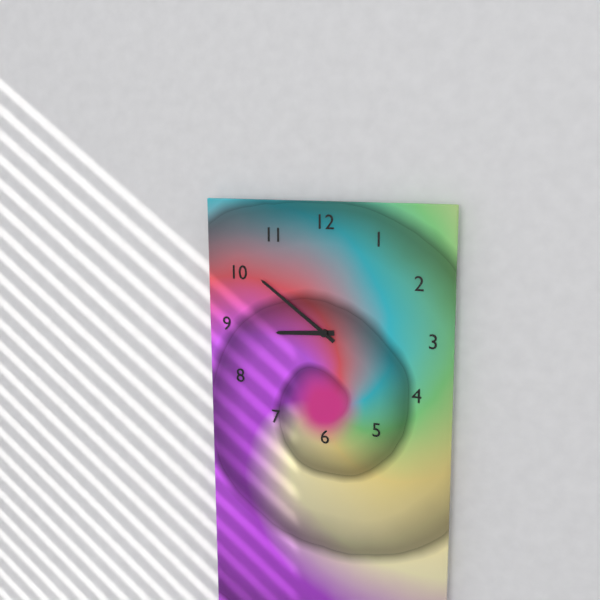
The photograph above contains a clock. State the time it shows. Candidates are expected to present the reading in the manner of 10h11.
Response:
8h51
